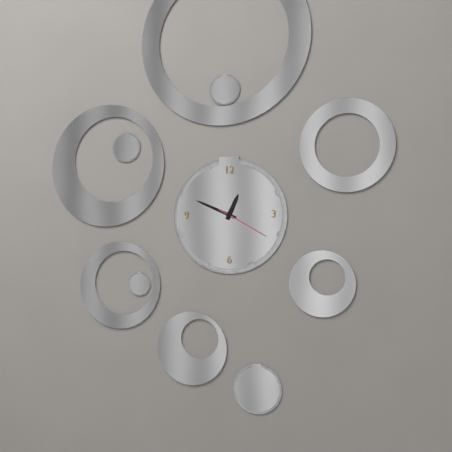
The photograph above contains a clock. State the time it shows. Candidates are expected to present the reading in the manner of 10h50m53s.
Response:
12h49m20s
